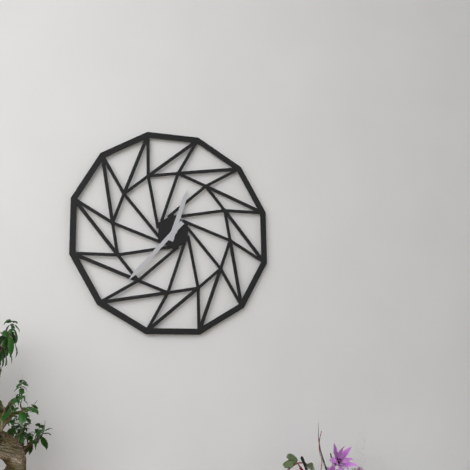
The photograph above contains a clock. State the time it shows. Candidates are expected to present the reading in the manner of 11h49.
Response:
12h37
